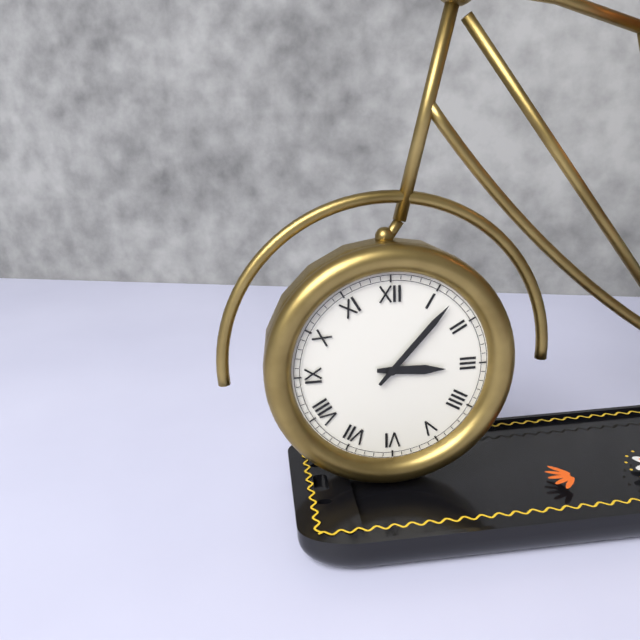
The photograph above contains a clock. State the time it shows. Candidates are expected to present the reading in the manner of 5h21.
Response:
3h07
